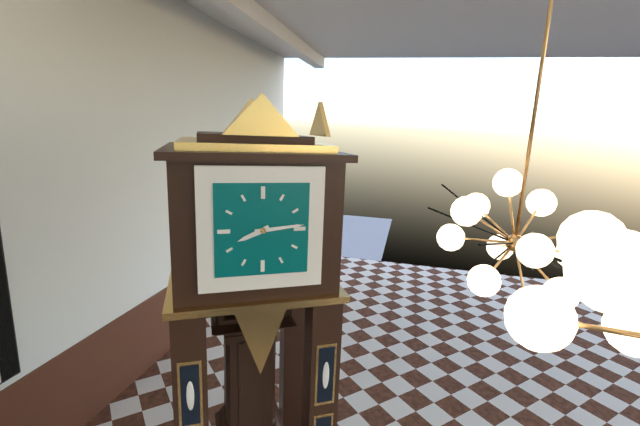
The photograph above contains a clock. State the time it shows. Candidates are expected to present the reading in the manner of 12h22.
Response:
8h14
